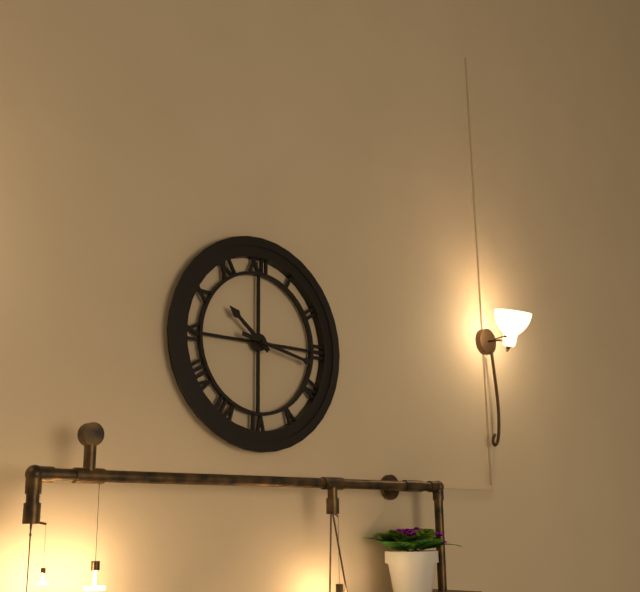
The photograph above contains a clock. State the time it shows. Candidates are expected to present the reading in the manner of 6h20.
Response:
10h17
